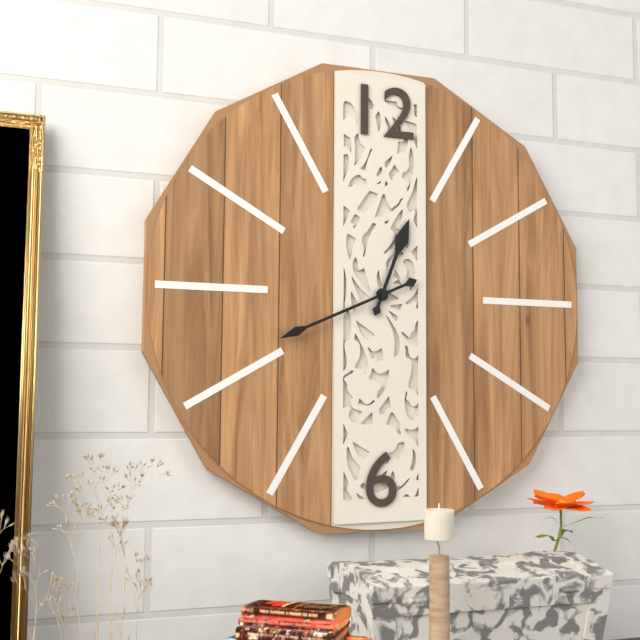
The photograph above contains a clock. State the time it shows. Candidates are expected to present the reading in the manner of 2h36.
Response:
12h41
